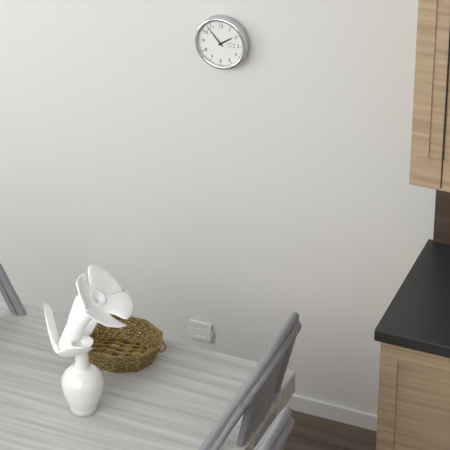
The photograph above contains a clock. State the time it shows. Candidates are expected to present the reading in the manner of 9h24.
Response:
1h53
